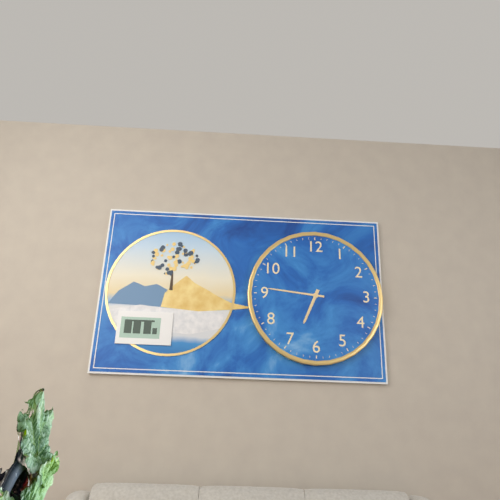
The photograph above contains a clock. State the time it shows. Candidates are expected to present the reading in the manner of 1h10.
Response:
6h46
